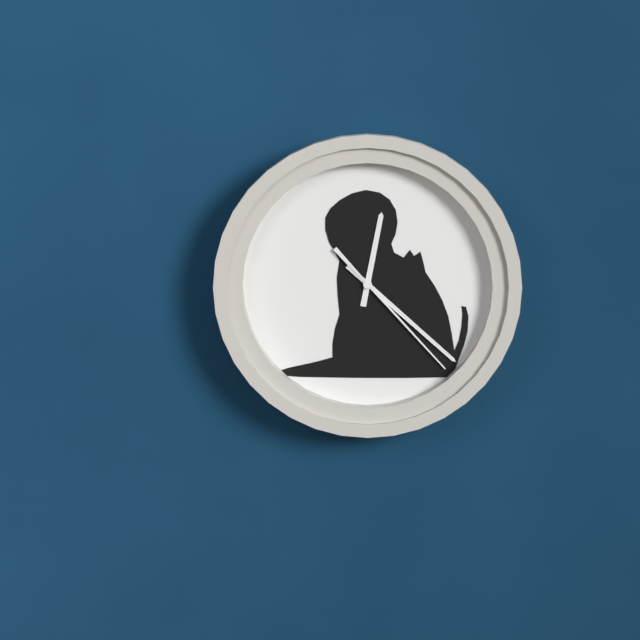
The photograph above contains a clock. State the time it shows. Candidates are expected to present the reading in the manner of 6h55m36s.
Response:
12h22m23s
